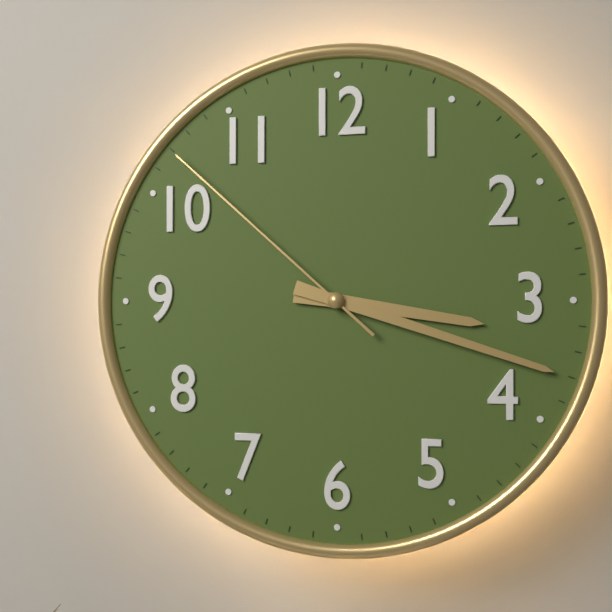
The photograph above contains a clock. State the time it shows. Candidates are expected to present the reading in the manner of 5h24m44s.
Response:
3h18m52s
